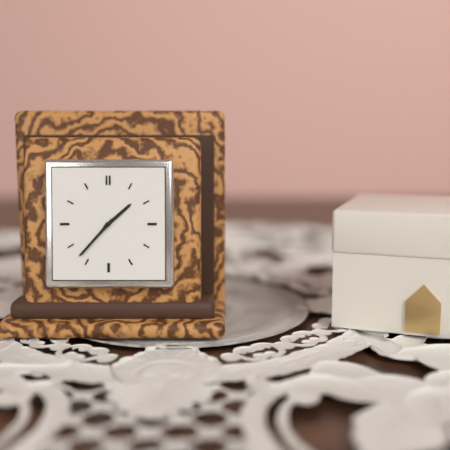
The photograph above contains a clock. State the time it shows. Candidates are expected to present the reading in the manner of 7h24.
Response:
1h37
